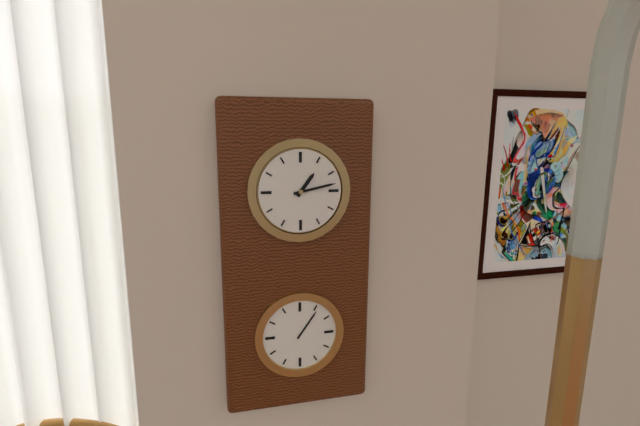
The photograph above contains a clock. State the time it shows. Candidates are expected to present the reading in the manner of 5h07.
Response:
1h13
